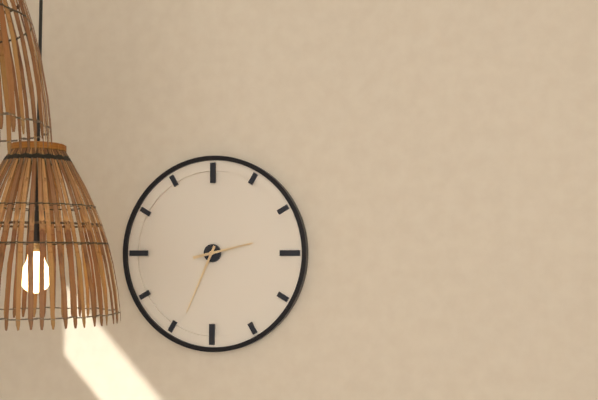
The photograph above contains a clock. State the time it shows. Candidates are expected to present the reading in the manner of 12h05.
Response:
2h34
